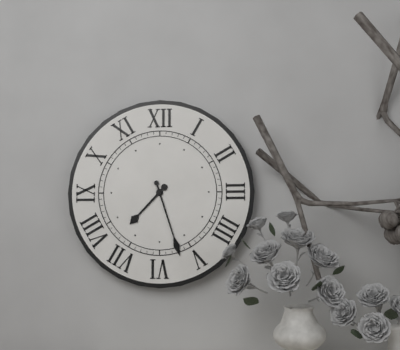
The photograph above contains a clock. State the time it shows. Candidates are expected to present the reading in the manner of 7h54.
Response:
7h27
